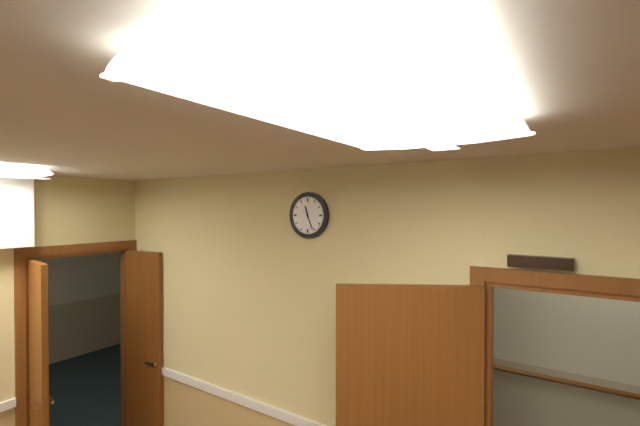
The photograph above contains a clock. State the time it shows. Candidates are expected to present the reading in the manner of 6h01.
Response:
11h26
